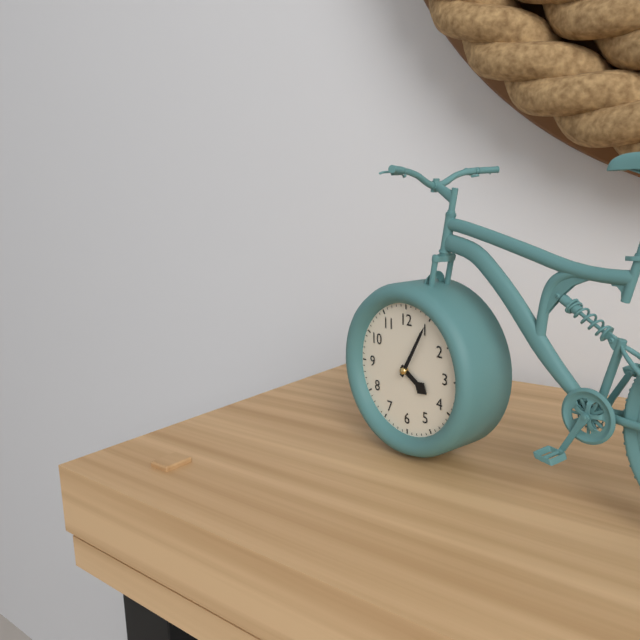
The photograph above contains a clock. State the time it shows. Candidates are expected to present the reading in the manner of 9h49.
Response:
4h05
